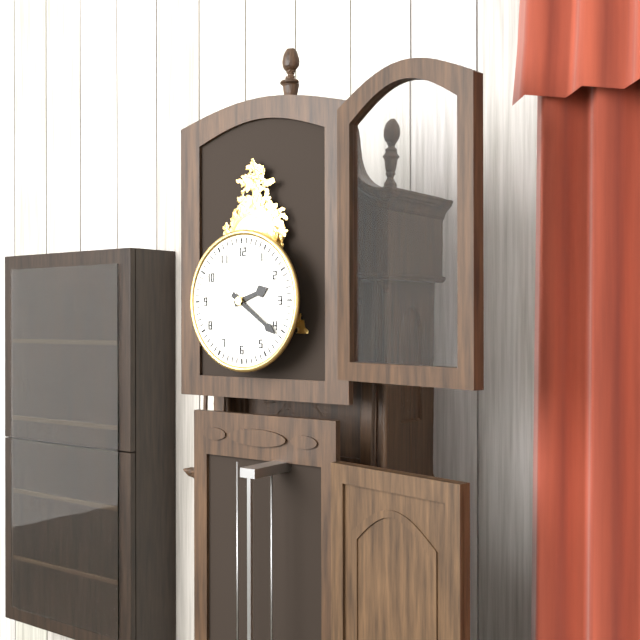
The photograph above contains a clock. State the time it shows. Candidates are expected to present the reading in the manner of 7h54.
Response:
2h21
